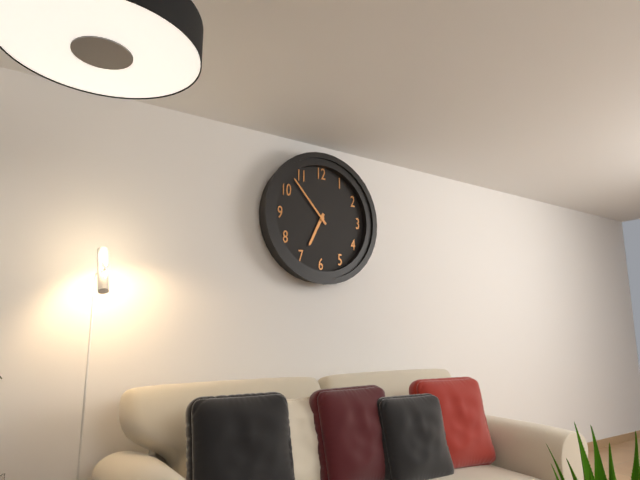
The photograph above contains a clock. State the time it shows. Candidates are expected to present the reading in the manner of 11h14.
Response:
6h53
